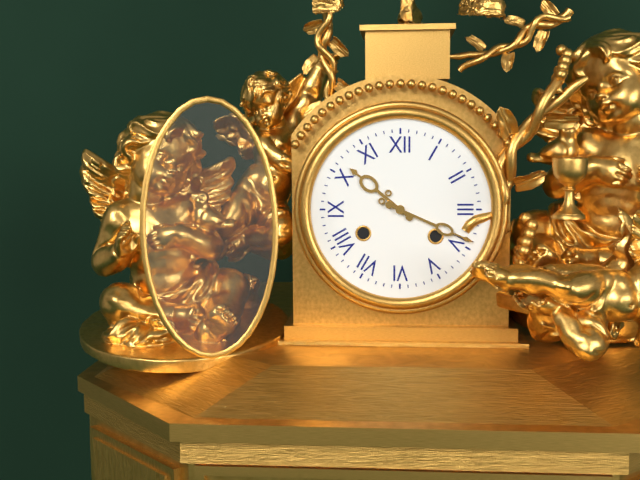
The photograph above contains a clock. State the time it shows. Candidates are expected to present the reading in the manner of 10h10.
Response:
10h19
